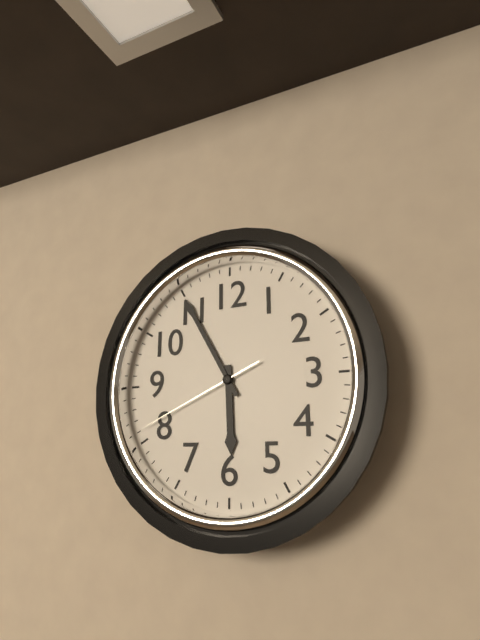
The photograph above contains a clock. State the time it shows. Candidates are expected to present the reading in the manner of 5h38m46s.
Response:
5h55m41s
